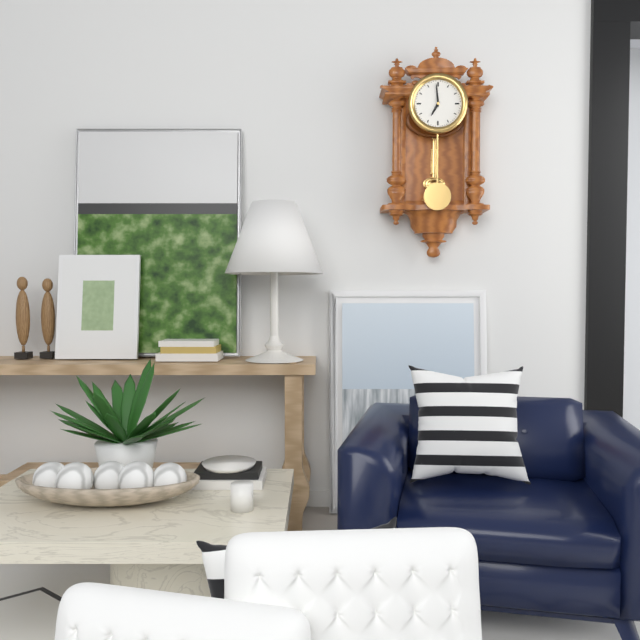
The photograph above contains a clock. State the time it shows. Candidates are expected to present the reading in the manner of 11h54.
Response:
6h59
